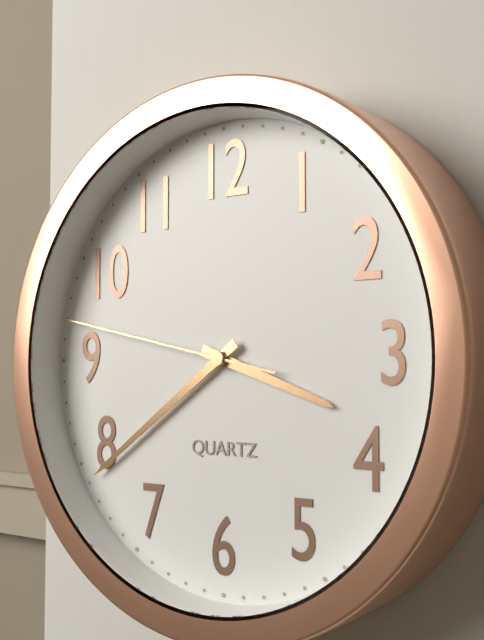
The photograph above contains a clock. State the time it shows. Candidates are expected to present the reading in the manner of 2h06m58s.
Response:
3h39m47s
